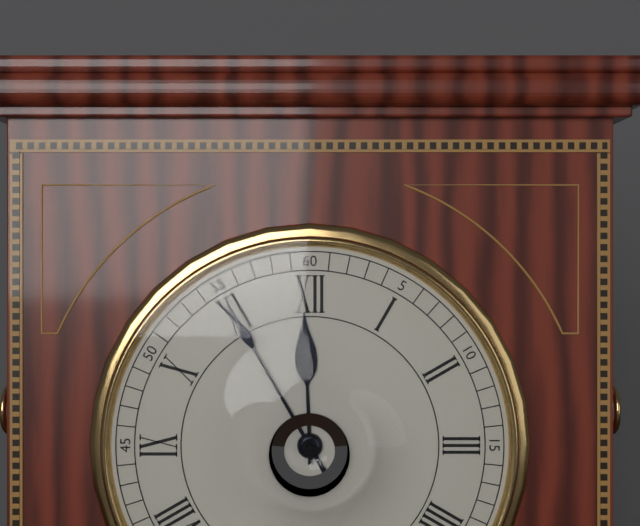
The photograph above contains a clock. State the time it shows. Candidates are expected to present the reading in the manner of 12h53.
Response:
11h55
